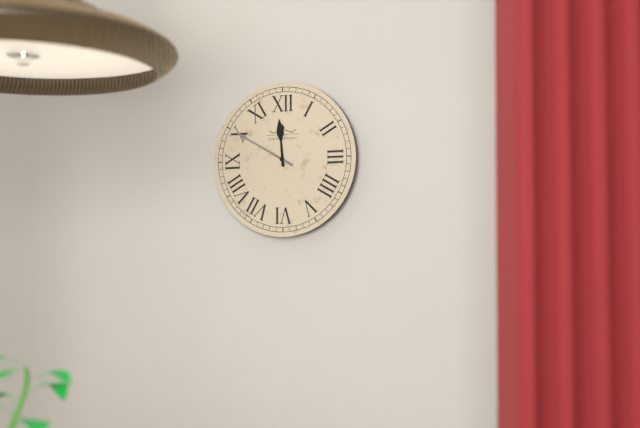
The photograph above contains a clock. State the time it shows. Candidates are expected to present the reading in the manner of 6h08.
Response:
11h50
